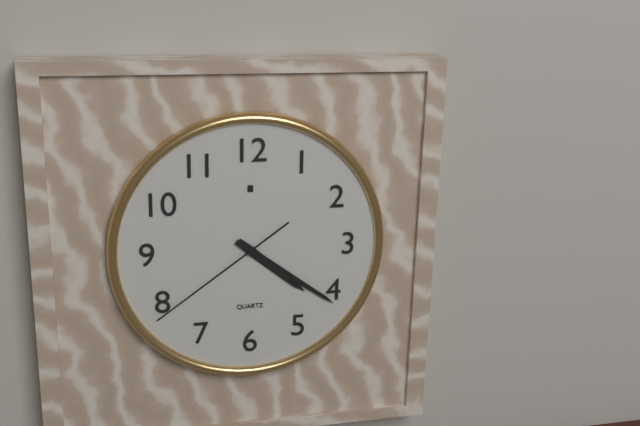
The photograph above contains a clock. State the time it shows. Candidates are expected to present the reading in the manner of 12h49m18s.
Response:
4h21m39s
